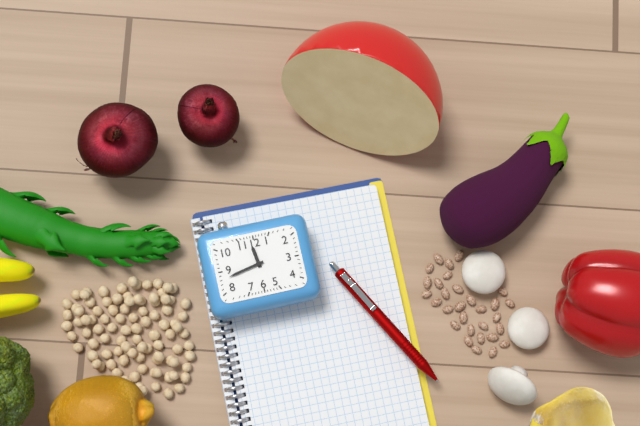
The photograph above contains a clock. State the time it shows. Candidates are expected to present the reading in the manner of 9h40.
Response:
11h43
